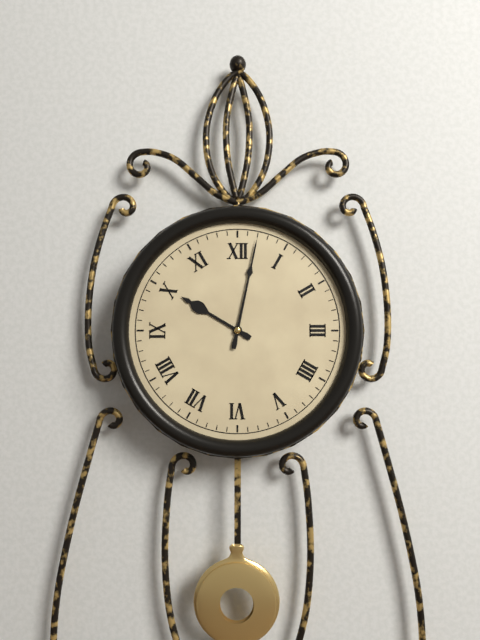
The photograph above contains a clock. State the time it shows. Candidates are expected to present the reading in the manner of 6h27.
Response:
10h02
